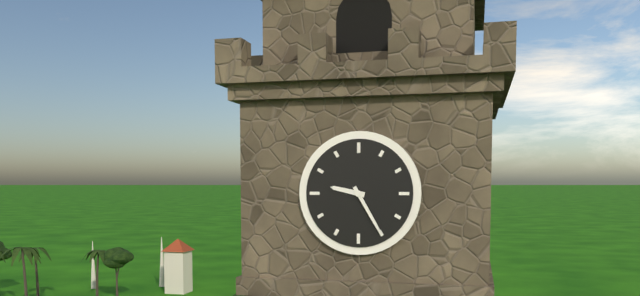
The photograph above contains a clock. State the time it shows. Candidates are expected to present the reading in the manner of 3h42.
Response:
9h25
